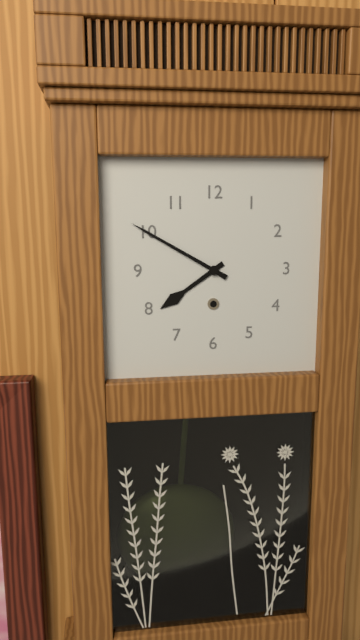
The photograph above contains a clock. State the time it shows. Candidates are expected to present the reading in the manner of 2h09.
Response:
7h50
